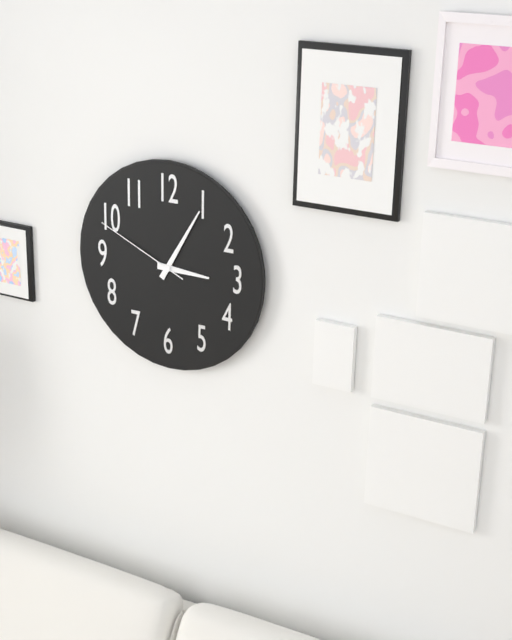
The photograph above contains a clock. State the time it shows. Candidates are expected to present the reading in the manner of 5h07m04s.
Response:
3h05m49s
